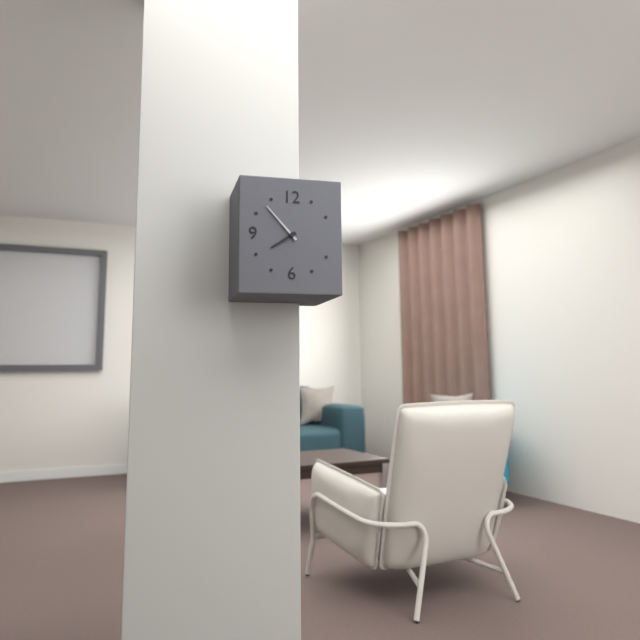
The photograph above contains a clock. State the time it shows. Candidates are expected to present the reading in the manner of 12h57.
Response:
7h53
